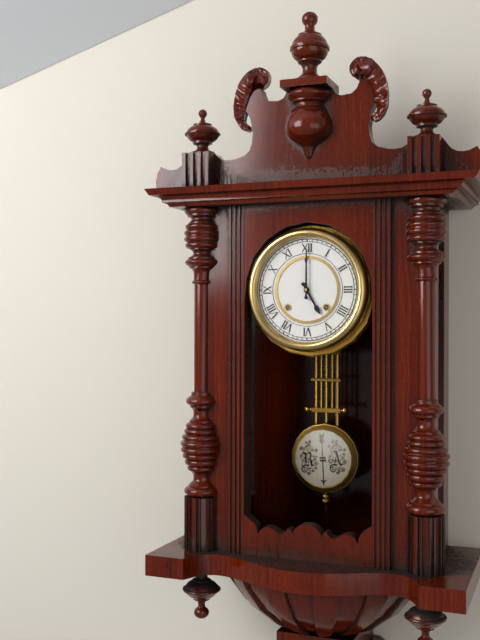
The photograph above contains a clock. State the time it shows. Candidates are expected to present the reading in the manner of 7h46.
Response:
5h00
